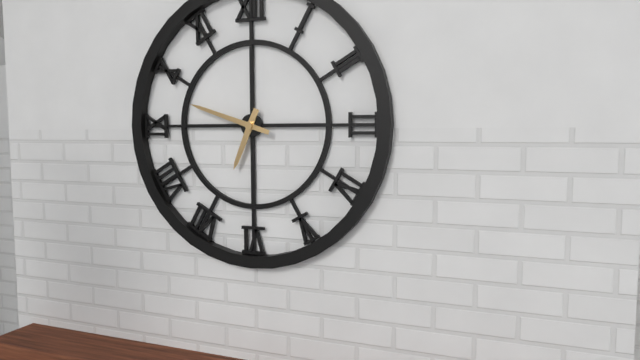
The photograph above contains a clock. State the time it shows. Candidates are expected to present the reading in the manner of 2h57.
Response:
6h48
